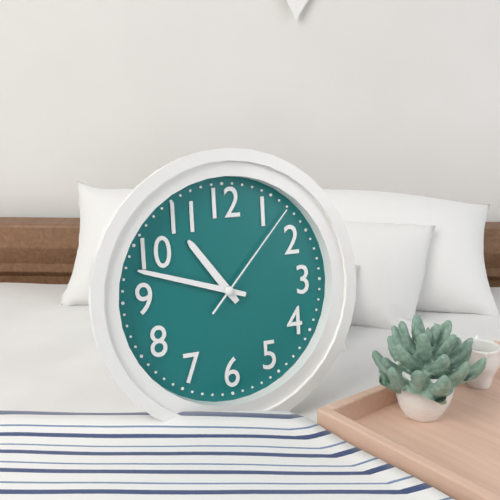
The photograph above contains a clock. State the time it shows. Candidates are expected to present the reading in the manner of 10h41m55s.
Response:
10h48m07s
